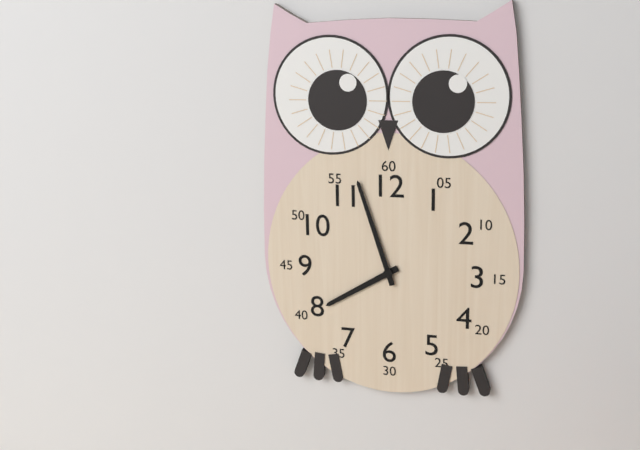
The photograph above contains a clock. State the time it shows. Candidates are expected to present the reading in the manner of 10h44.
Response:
7h57
